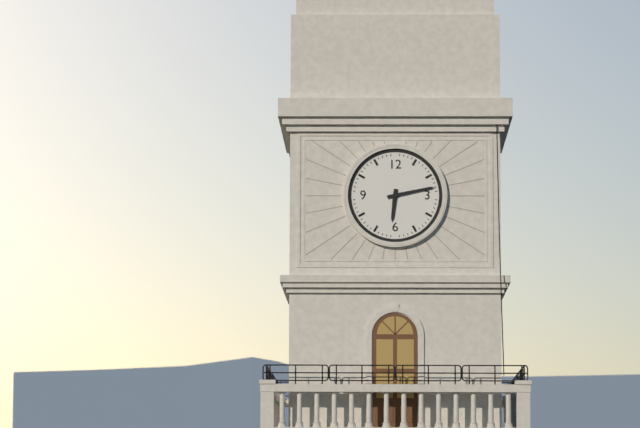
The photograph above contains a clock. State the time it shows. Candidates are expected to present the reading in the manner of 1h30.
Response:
6h13
